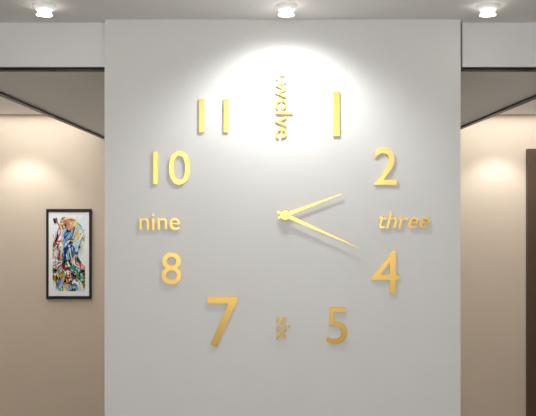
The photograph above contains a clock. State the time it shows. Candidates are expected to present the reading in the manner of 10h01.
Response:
2h19
